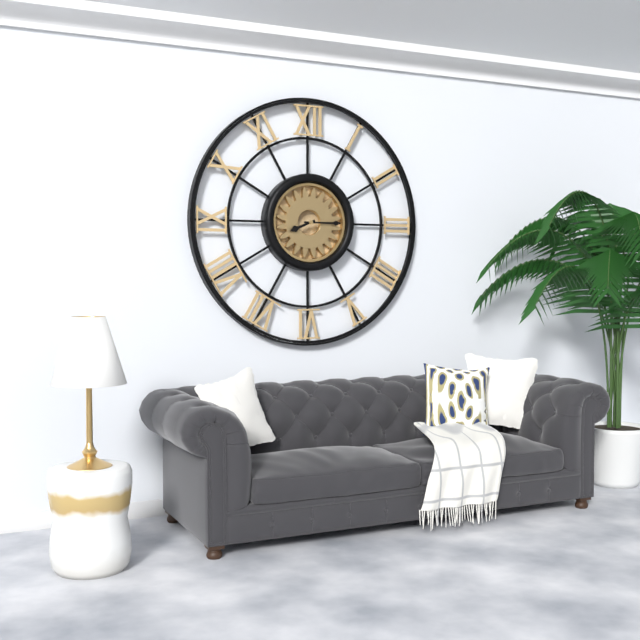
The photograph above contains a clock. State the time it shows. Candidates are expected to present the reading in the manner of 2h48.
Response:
8h15
